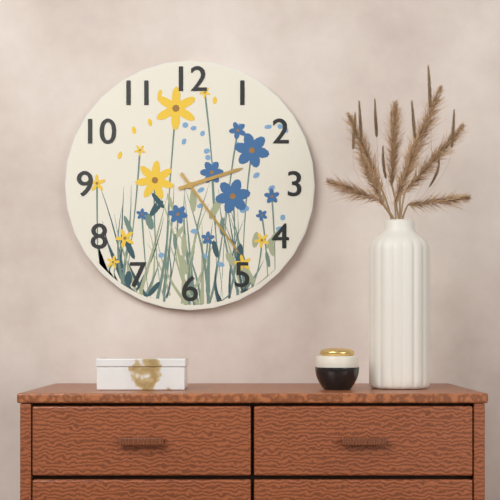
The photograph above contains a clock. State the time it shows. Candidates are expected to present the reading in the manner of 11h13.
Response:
2h24
